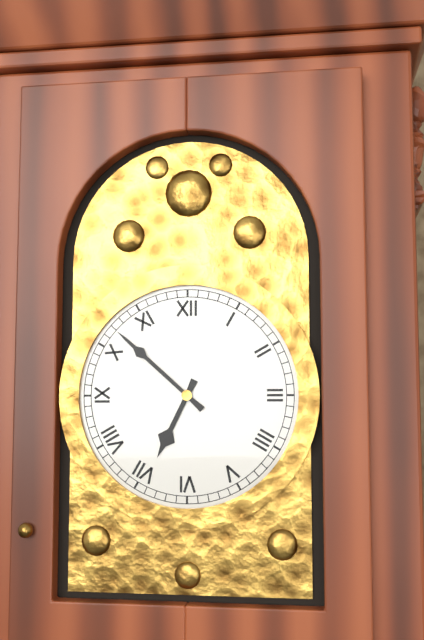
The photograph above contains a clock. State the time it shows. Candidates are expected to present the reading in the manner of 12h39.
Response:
6h52
